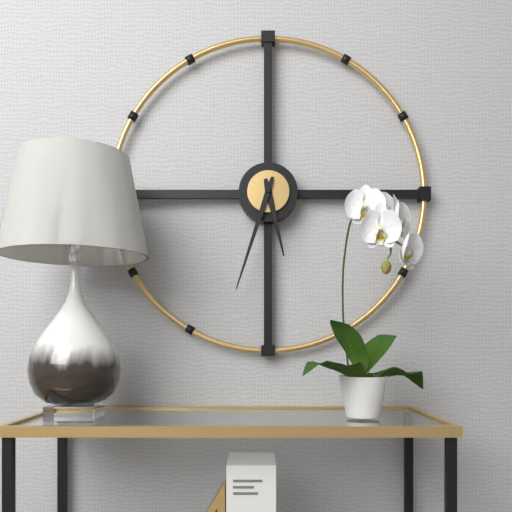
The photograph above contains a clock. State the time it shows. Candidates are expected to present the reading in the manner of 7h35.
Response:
5h33
